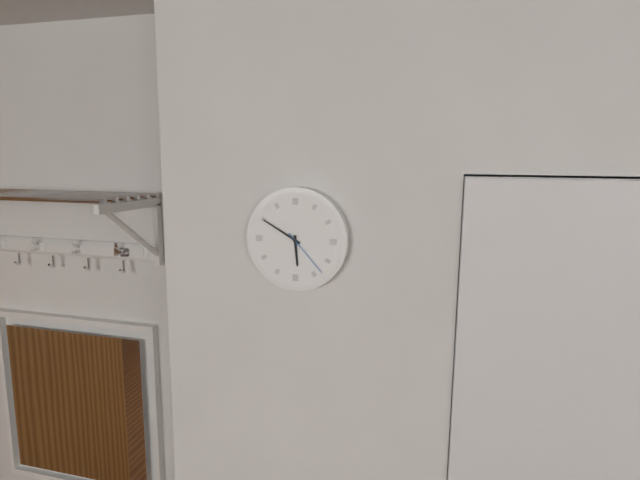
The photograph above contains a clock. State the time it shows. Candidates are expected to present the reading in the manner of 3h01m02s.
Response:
5h50m23s
